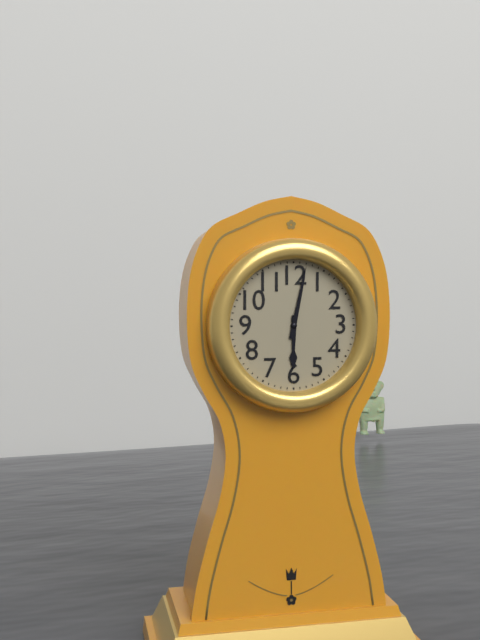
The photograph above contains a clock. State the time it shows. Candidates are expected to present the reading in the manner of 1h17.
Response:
6h02
